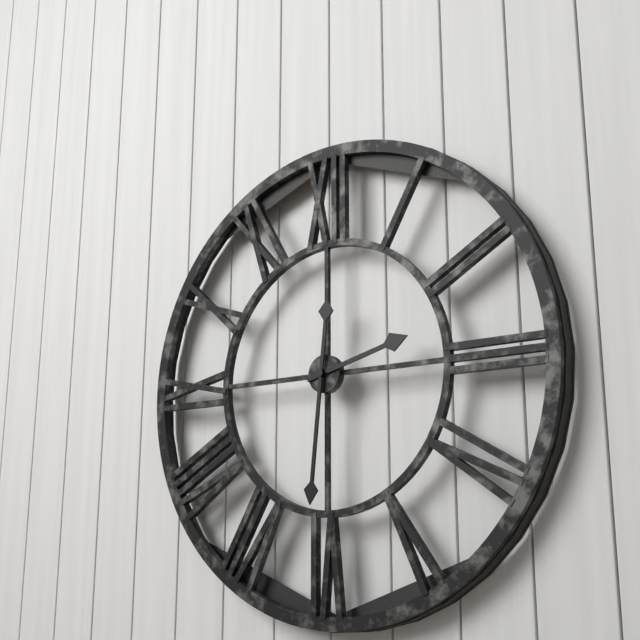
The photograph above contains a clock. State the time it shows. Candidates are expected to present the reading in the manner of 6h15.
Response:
2h31
